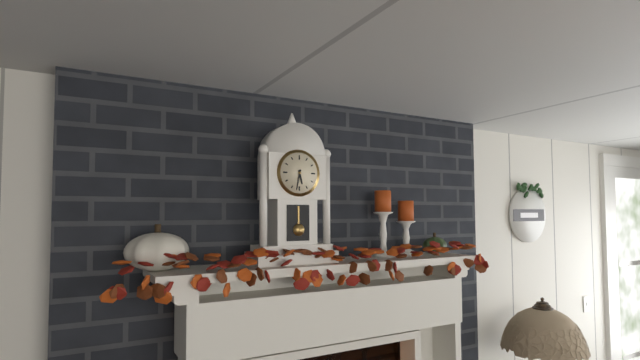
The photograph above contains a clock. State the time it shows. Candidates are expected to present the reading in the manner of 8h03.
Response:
5h32
